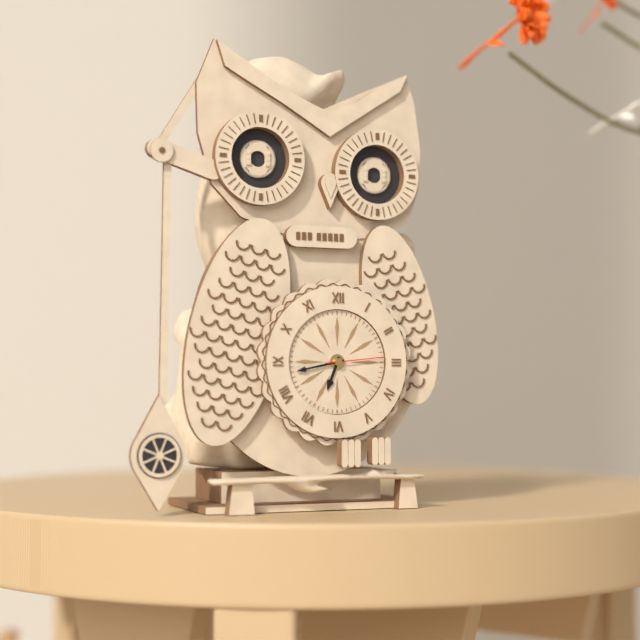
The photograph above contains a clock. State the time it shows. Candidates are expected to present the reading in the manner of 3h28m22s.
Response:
6h43m14s
